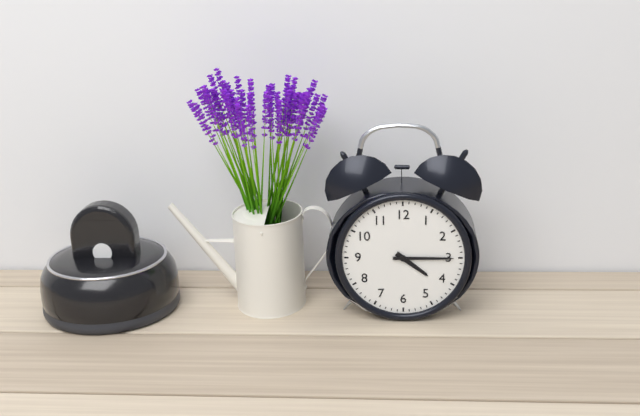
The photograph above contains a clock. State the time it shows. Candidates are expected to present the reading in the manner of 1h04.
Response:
4h15
